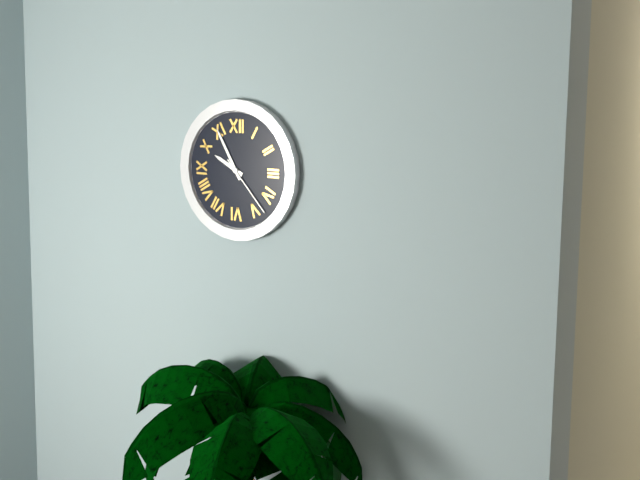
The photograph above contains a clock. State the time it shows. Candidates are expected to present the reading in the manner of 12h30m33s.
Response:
9h55m23s
